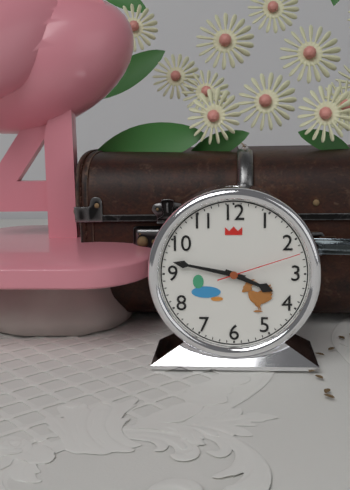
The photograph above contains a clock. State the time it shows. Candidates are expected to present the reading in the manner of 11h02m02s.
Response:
3h47m12s
